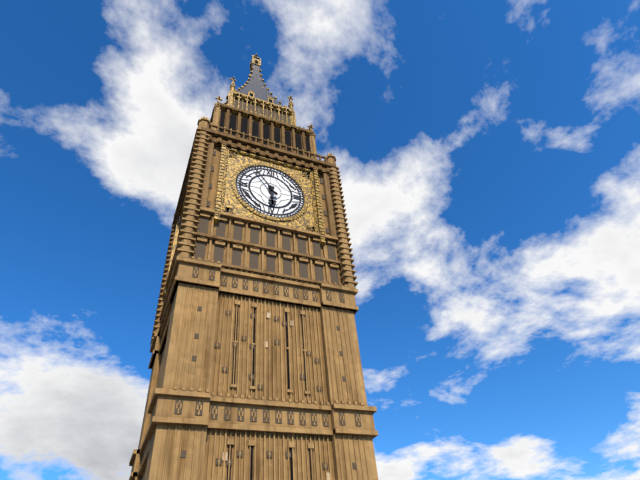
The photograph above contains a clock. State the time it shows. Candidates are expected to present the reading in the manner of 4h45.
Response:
5h54
